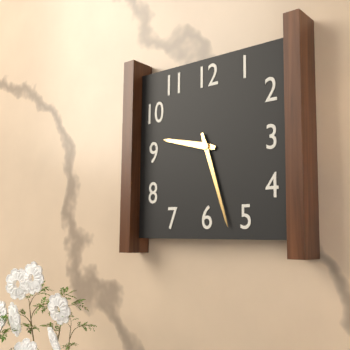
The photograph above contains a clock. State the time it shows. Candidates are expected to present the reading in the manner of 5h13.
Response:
9h27
